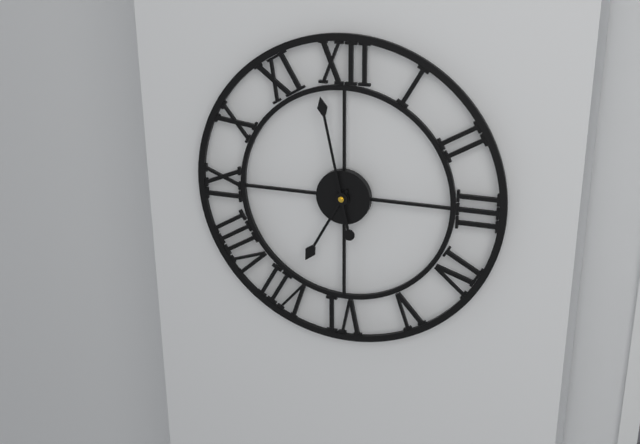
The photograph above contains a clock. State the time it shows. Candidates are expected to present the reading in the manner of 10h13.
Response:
6h58
